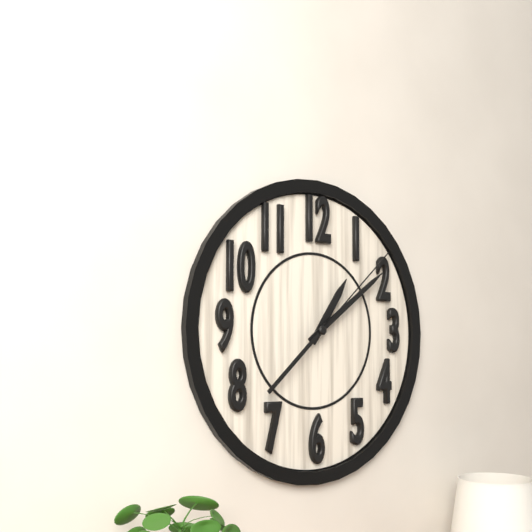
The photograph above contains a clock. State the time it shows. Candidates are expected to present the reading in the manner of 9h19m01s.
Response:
1h09m08s
